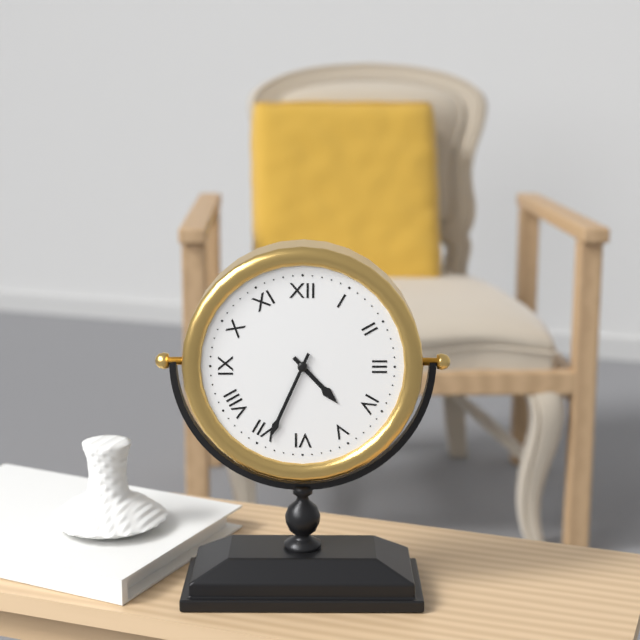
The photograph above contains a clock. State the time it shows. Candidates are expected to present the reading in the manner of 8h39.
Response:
4h34
